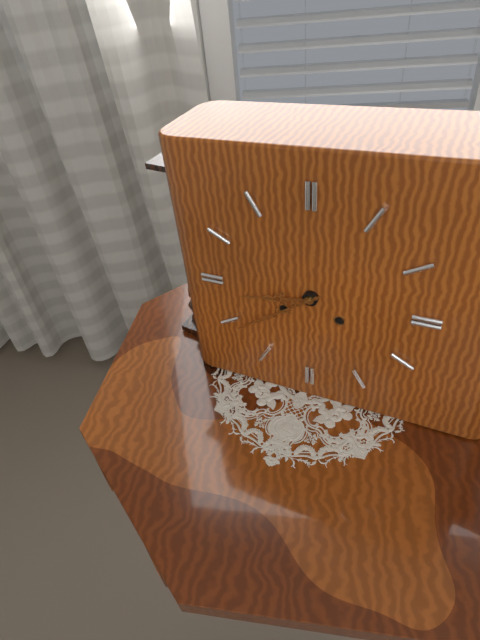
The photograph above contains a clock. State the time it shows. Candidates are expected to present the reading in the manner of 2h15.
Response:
8h39
